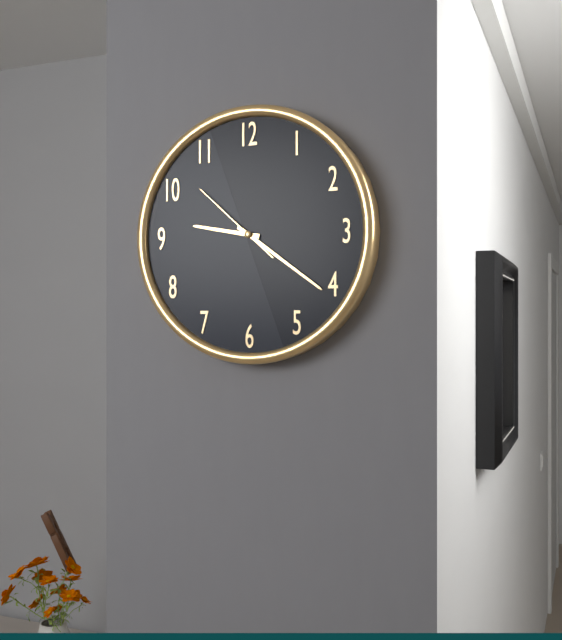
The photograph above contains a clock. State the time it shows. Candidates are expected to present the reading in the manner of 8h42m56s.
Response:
9h21m52s
